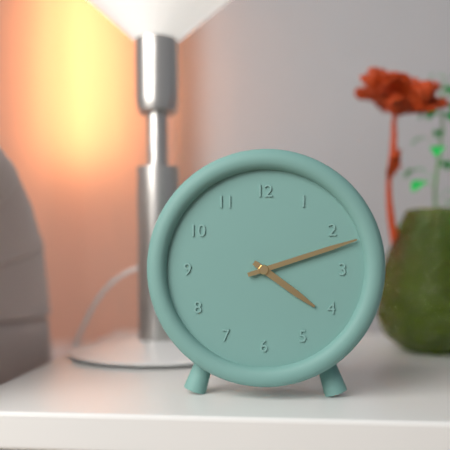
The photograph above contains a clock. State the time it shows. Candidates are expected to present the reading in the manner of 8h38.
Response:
4h12
